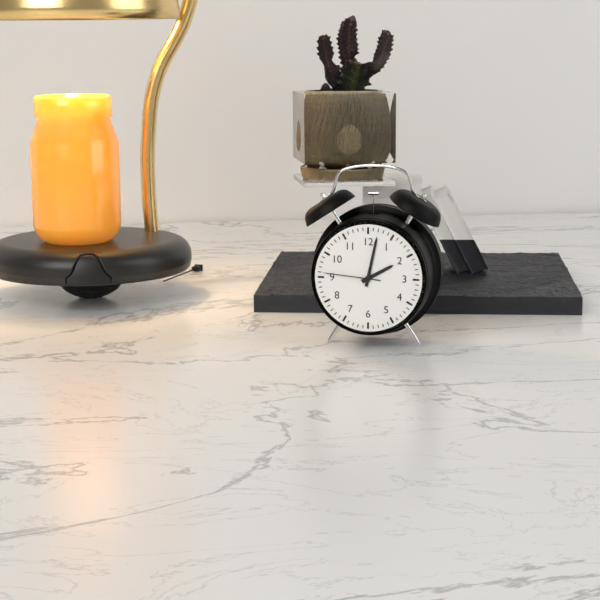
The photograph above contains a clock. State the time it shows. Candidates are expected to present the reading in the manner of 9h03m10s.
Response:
2h02m46s
